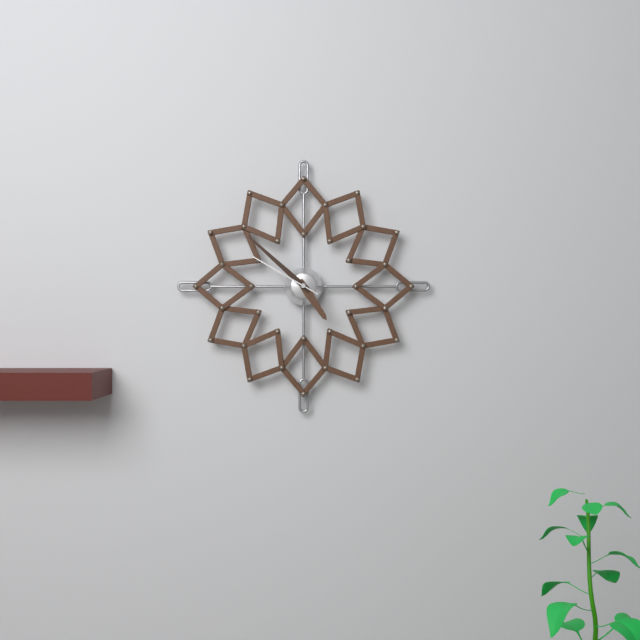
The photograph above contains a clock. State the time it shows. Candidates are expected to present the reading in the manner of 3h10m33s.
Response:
4h52m50s
